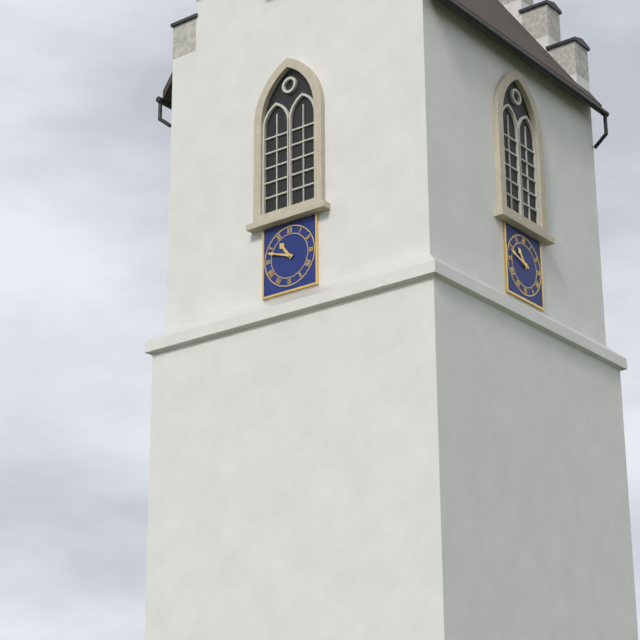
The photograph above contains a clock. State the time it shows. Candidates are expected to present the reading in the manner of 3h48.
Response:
10h48
